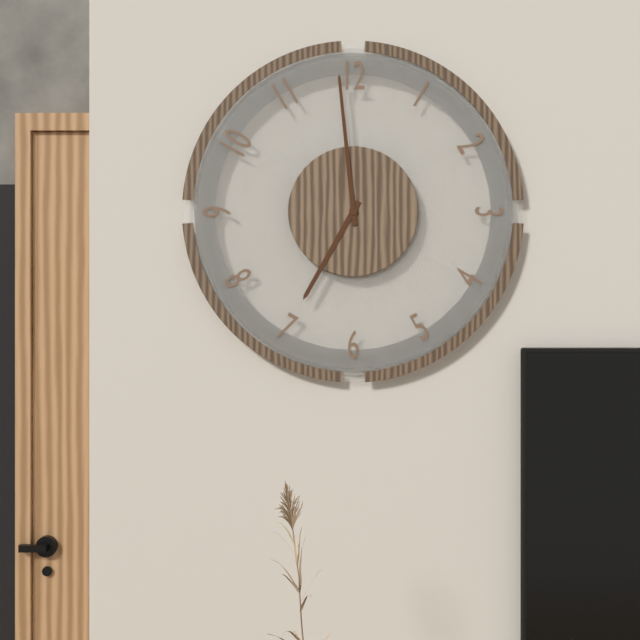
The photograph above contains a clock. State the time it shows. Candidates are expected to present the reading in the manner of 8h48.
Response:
6h59
